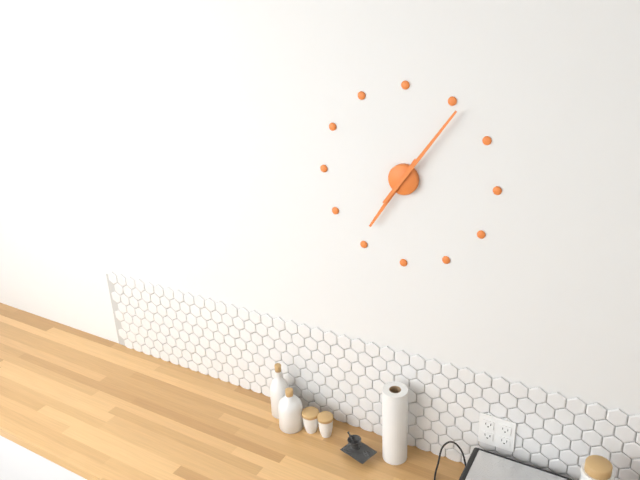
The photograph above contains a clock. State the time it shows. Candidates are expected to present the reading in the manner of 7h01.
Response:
7h06
